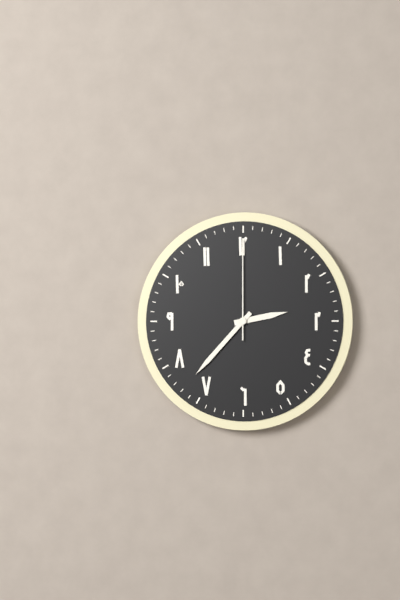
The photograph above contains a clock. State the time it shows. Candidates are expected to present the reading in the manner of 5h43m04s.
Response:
2h37m00s
